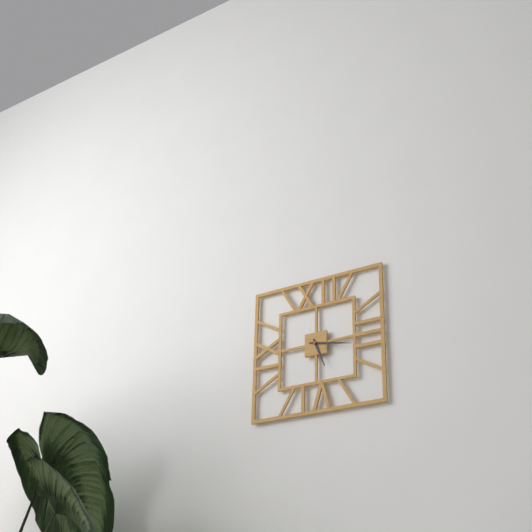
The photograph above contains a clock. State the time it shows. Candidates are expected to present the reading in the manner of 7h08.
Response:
5h17
